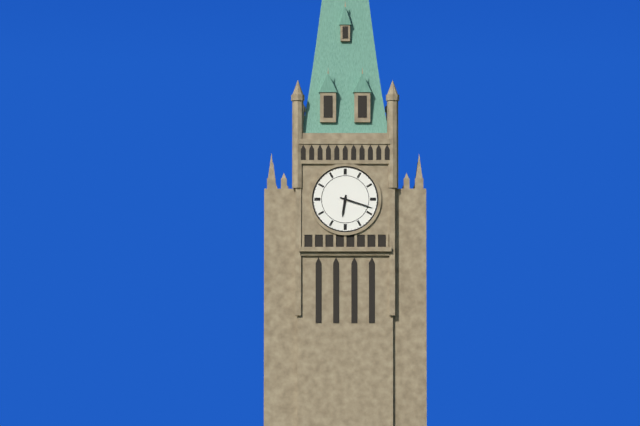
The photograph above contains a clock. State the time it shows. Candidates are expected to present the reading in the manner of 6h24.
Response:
6h18
